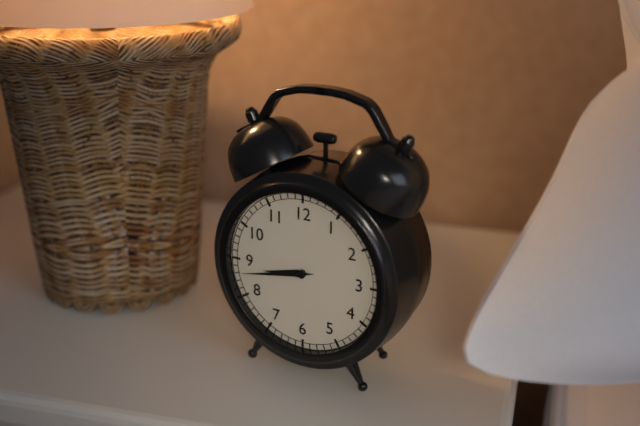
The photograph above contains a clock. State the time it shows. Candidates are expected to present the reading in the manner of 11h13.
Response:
8h43
